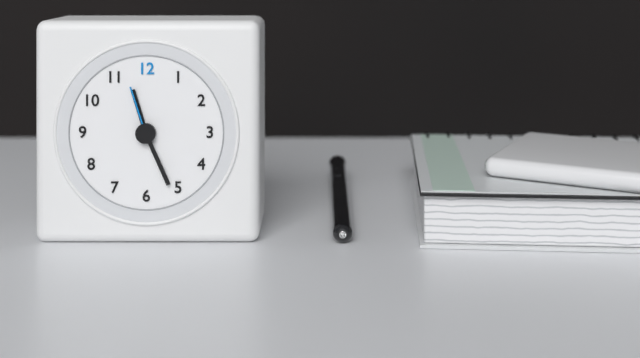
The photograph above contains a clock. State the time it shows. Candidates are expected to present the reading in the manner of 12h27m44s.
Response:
11h26m57s
